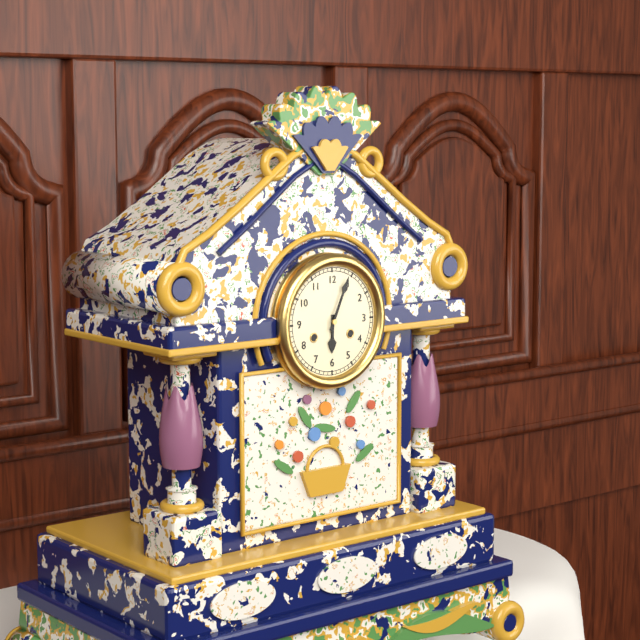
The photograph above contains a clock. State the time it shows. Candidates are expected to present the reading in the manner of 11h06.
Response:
6h04
